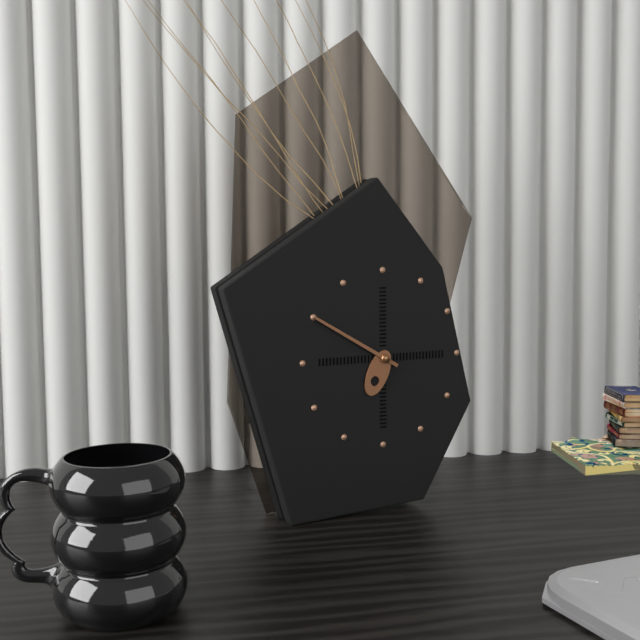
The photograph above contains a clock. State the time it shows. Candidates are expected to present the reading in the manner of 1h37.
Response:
6h50
